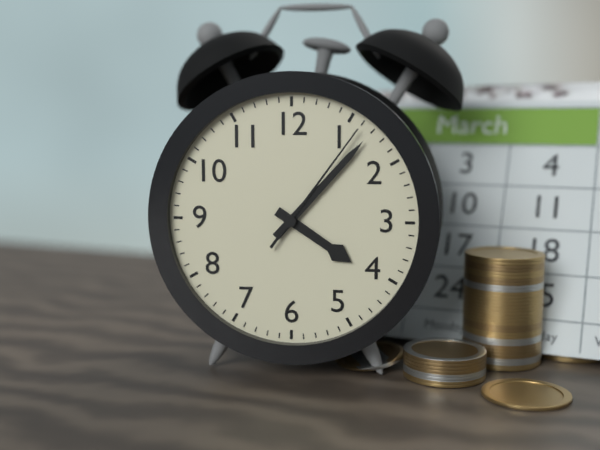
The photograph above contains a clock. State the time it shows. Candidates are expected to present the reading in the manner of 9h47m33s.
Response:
4h07m06s
